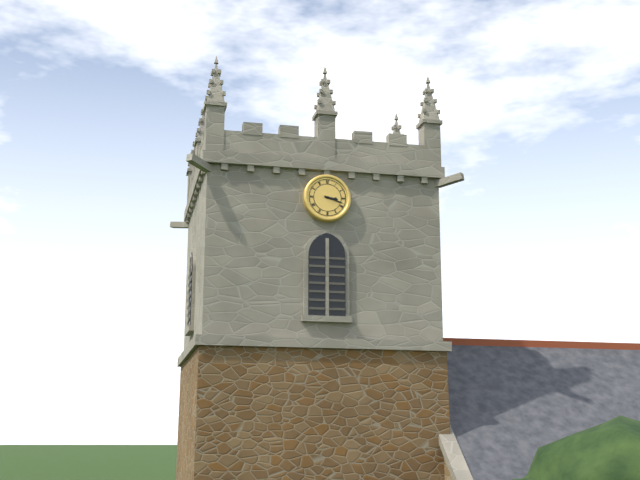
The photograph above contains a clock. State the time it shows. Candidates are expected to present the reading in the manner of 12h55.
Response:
3h18
